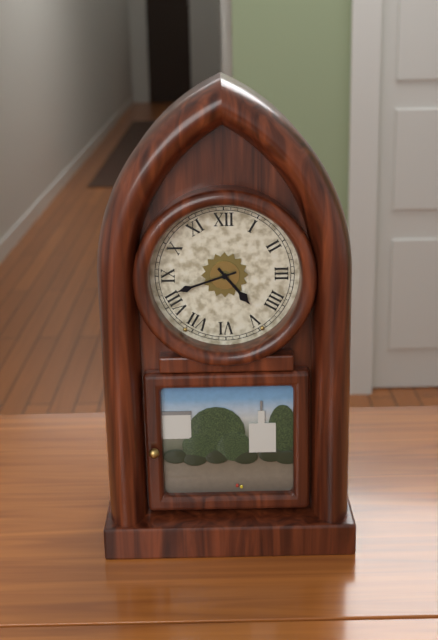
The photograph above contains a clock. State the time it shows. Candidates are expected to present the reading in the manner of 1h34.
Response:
4h42
